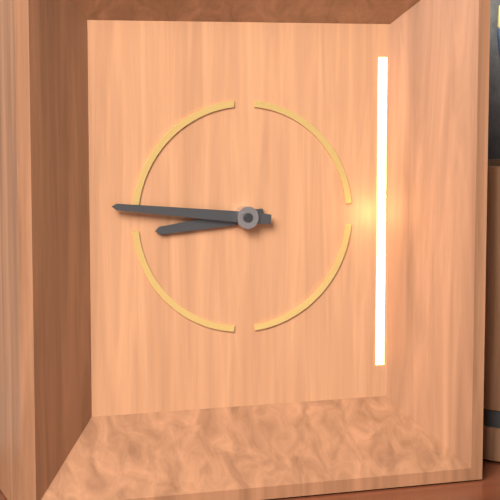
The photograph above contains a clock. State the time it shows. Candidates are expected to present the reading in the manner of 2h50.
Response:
8h46
